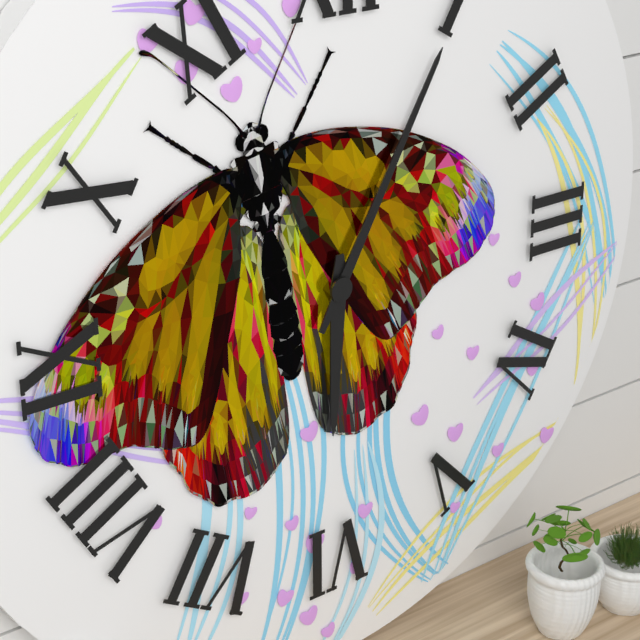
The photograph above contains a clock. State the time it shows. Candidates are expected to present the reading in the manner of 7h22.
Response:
6h05
